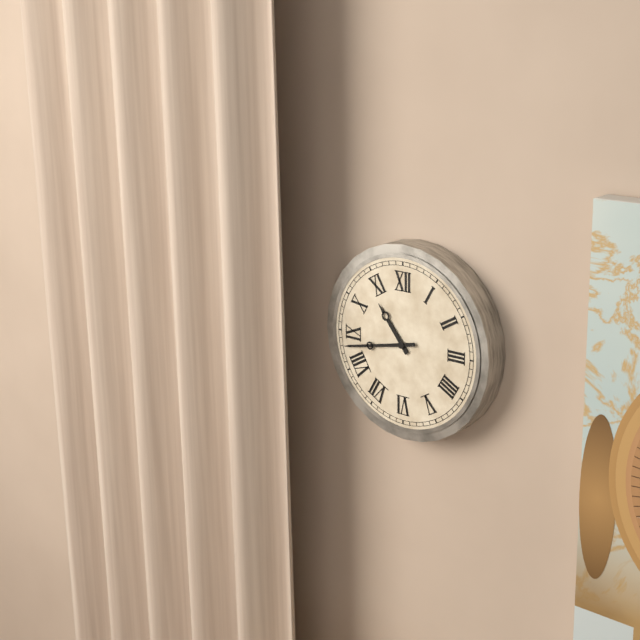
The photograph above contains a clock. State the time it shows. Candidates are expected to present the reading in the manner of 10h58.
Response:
10h43
